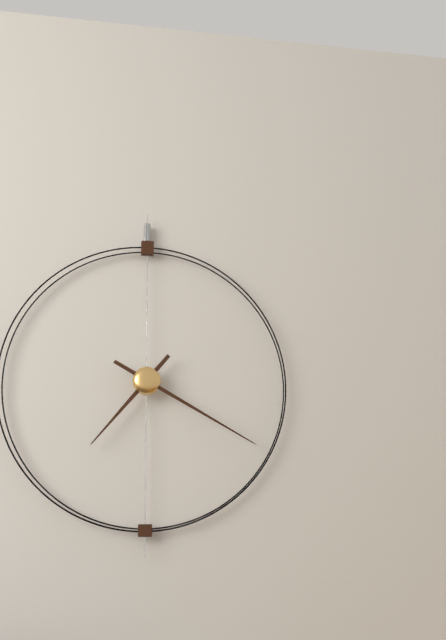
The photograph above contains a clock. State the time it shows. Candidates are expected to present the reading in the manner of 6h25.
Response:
7h20
